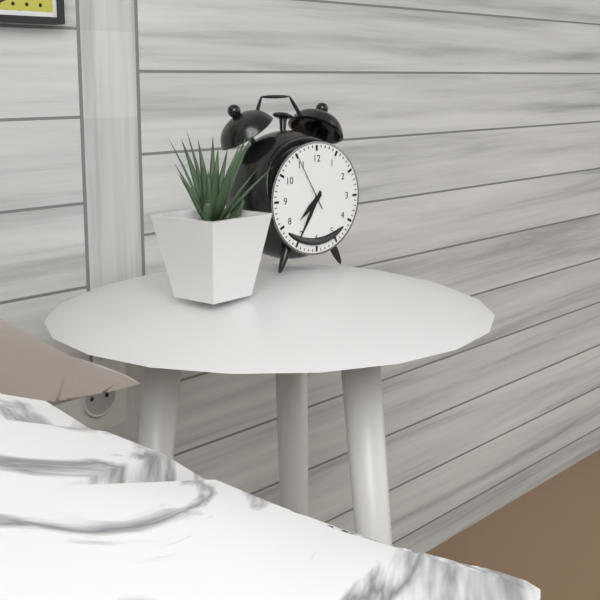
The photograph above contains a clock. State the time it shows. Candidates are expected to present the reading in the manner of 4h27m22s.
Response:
7h35m55s
